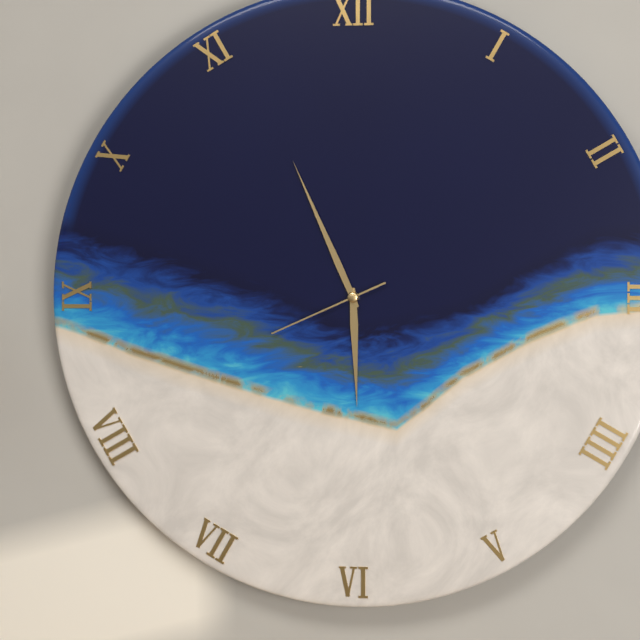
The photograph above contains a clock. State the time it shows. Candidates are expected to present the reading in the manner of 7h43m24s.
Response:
5h56m41s
